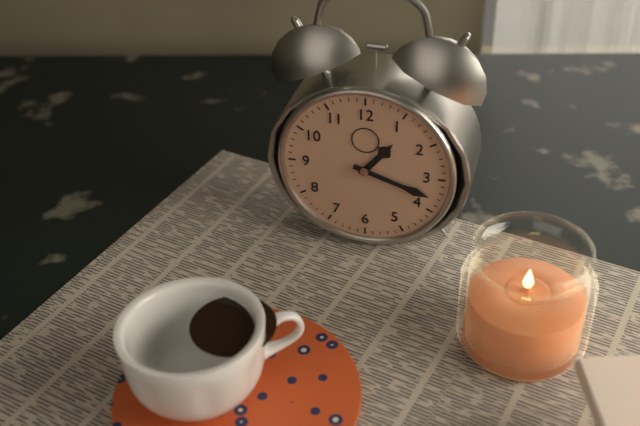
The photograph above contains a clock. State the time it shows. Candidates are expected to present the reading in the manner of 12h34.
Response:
1h18
